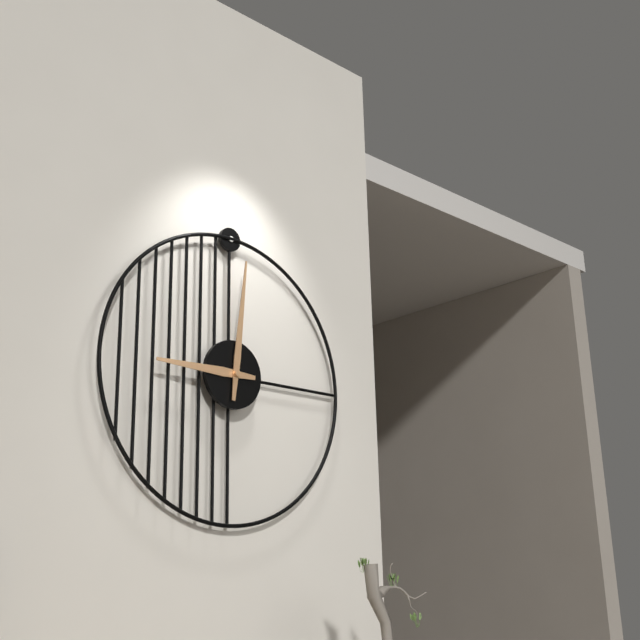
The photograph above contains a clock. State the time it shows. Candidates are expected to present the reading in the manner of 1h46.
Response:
9h01
